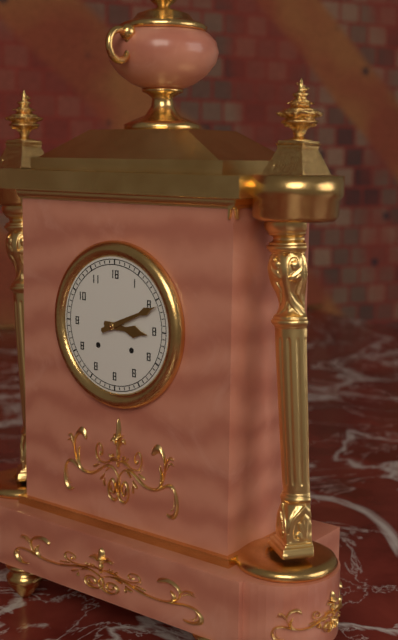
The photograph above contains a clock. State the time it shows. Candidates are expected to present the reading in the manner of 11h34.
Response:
3h11
